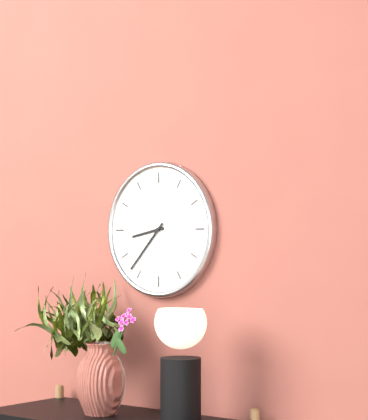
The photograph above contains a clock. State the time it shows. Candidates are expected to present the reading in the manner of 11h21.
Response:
8h37
